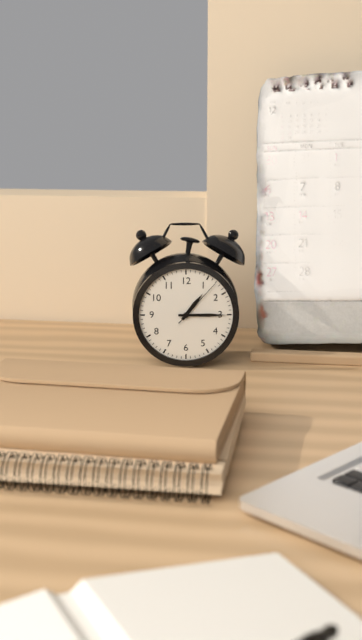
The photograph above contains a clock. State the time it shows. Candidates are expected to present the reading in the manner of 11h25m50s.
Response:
1h15m07s
